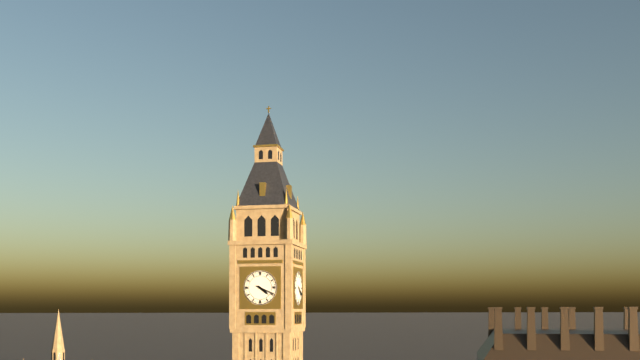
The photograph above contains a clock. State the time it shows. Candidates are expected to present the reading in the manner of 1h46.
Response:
4h19
